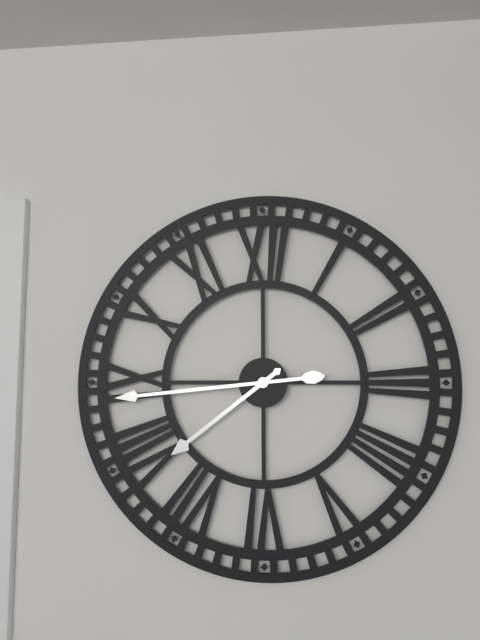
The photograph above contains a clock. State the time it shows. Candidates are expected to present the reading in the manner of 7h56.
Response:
7h44
